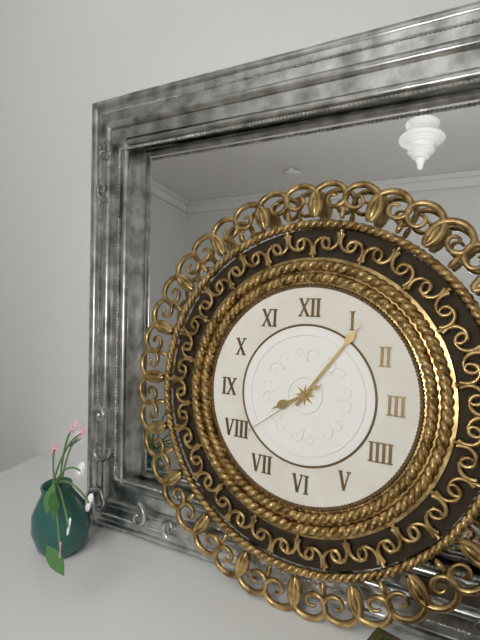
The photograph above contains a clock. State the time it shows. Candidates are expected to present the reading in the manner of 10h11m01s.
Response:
8h06m39s
